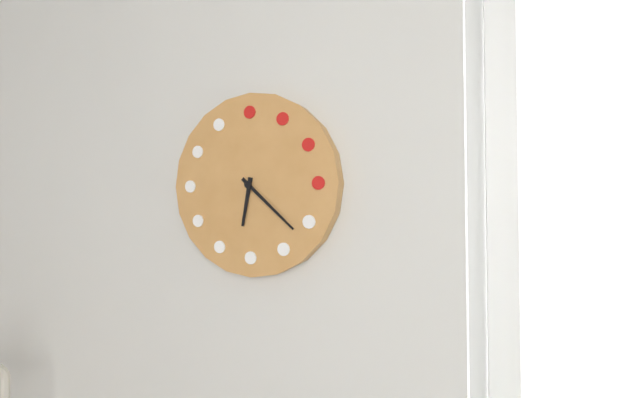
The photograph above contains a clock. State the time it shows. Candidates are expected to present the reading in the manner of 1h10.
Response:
6h22
